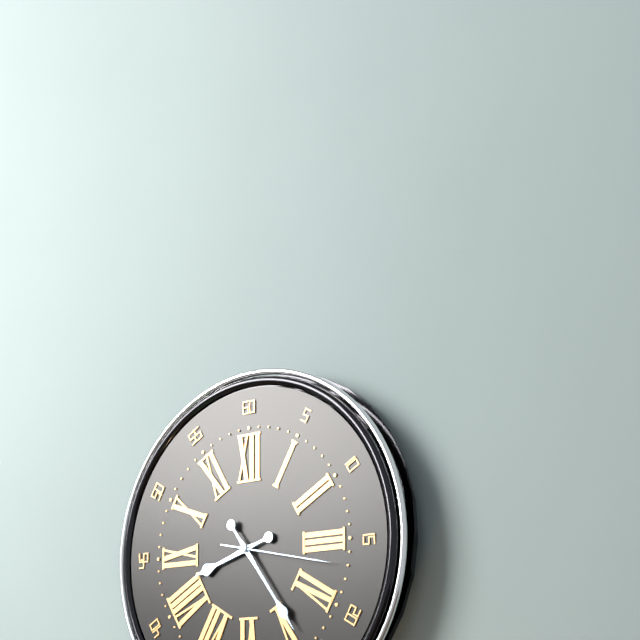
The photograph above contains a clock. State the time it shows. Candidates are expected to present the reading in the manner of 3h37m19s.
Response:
8h24m17s
